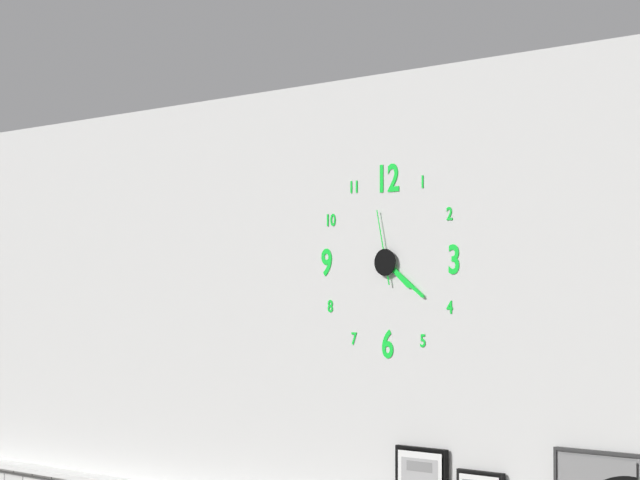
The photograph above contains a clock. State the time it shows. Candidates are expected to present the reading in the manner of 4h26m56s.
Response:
4h21m58s
